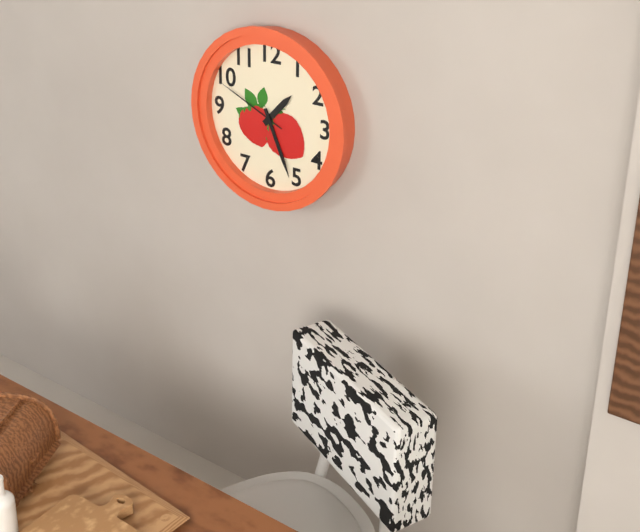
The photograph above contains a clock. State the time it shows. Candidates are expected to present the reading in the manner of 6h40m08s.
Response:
1h26m49s
